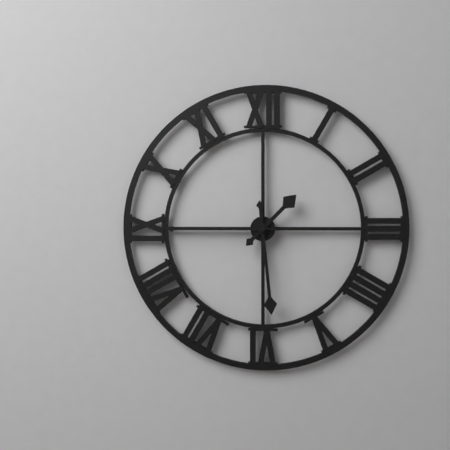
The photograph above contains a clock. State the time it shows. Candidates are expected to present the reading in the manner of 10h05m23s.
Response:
1h29m45s
